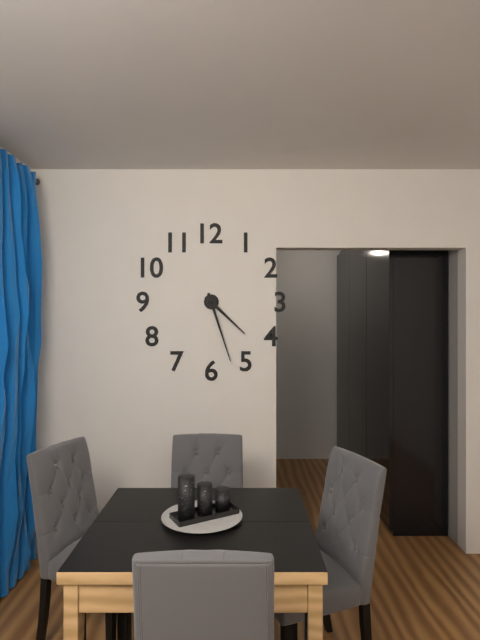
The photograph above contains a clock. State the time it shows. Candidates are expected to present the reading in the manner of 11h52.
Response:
4h27
